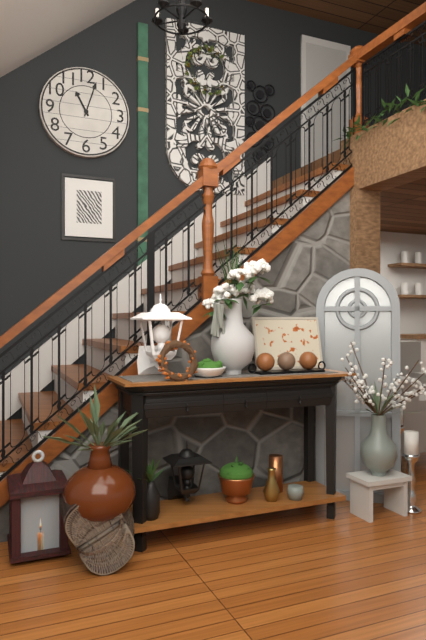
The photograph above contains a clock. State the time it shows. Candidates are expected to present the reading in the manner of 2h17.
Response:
11h03
